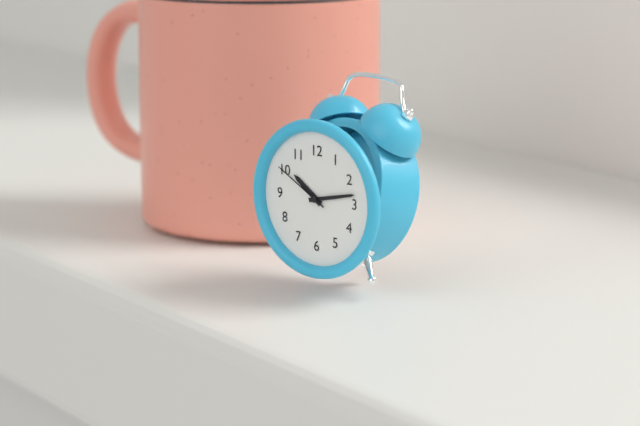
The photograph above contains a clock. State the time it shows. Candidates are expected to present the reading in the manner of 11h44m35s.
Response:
10h13m50s
